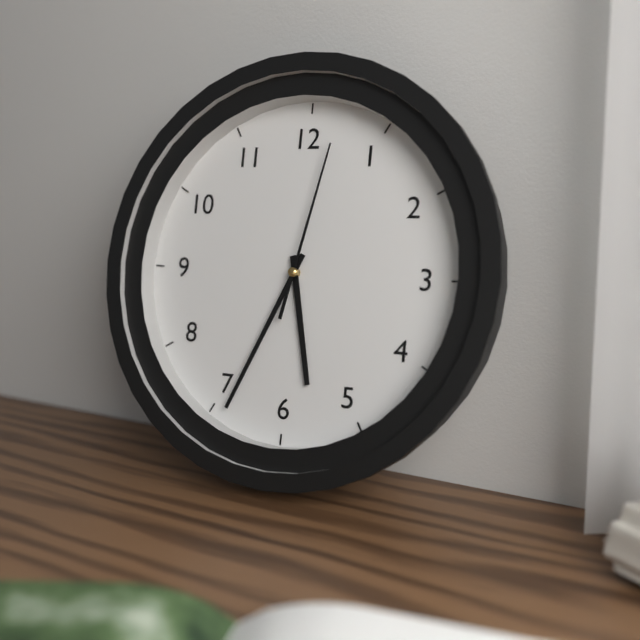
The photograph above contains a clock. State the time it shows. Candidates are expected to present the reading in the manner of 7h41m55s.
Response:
5h34m02s
